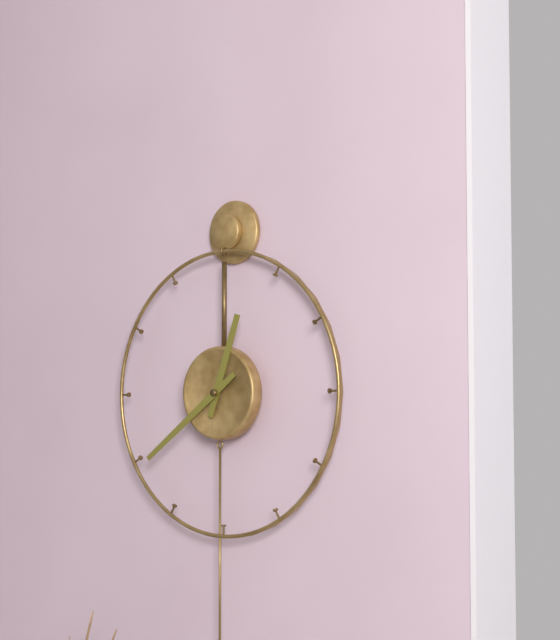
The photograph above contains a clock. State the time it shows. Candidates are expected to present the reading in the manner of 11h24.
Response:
12h39
